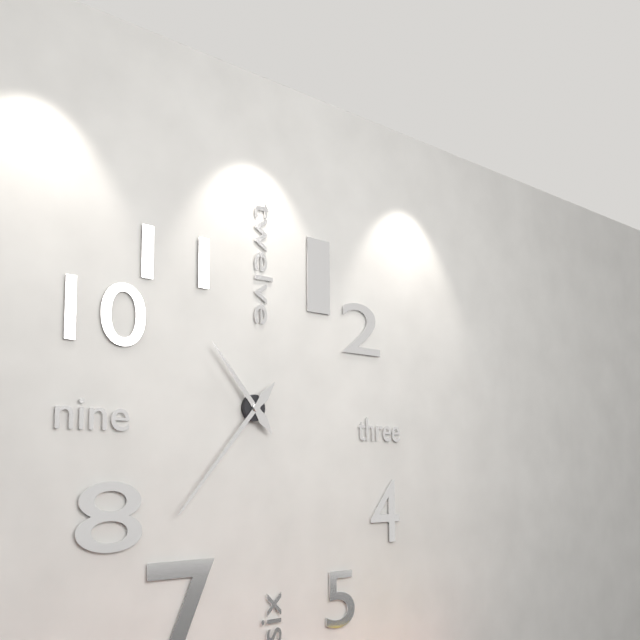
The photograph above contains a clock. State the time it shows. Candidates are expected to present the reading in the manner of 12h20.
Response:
10h37
